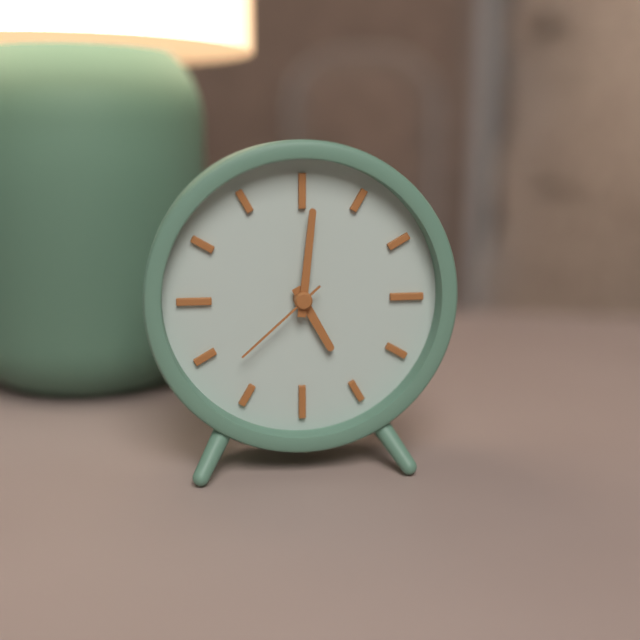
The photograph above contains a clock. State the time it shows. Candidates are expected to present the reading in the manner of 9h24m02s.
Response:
5h01m38s
